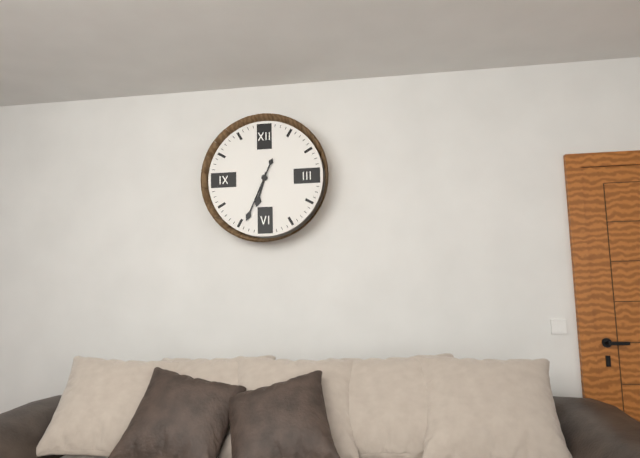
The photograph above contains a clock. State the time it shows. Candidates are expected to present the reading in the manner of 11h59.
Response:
6h34
